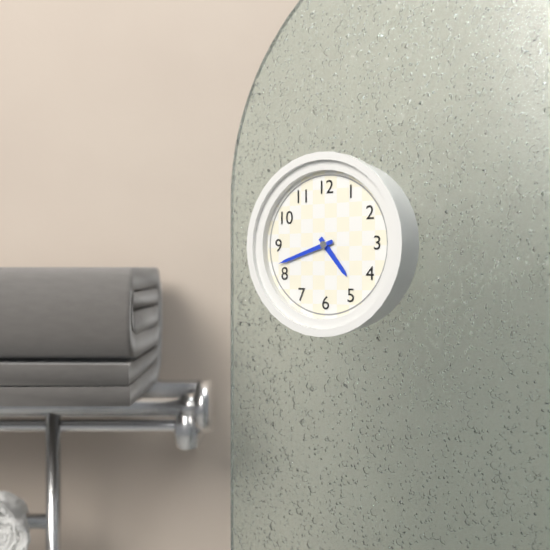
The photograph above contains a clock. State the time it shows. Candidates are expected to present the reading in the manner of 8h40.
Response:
4h42
